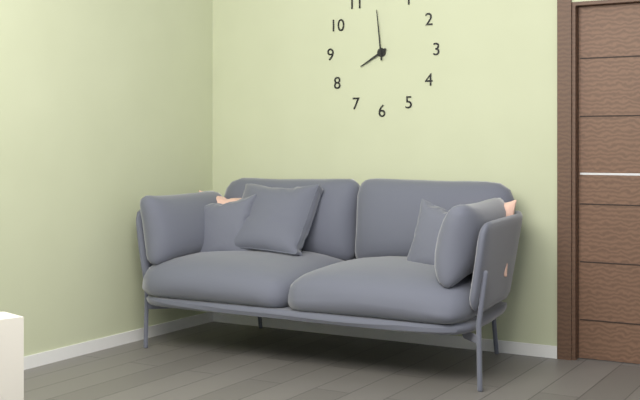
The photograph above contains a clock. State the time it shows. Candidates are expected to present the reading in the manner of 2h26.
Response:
7h59
